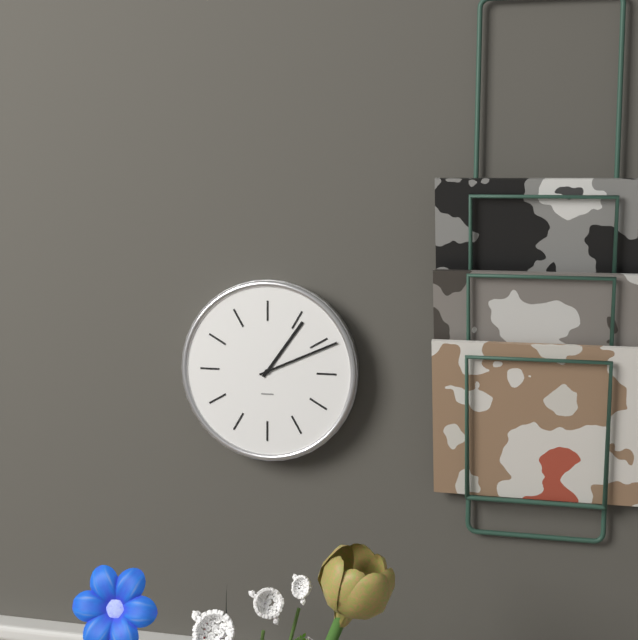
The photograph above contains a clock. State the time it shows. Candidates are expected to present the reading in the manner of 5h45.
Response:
1h11
